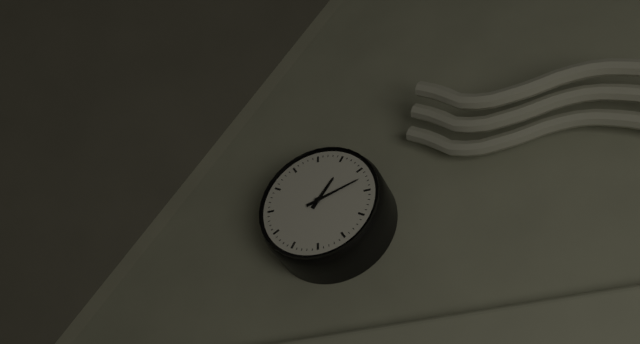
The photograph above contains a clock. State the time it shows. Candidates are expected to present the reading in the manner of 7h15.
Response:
1h12
